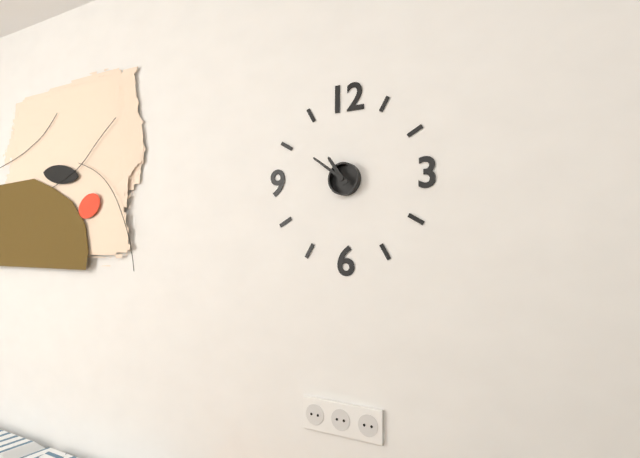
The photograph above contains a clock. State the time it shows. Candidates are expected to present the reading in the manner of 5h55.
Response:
10h51
